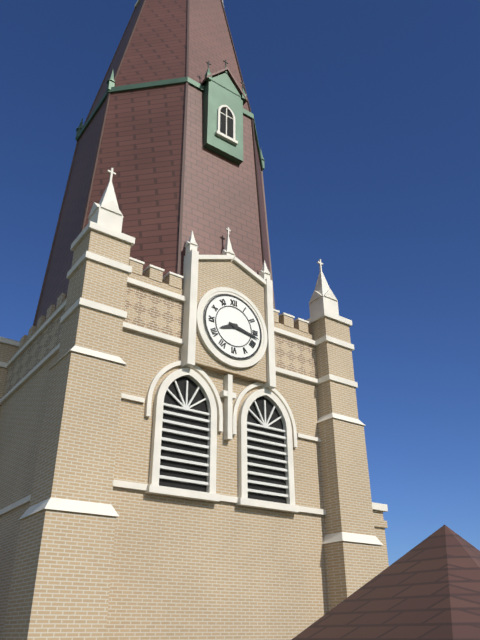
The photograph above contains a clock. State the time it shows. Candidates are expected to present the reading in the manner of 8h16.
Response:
8h17
